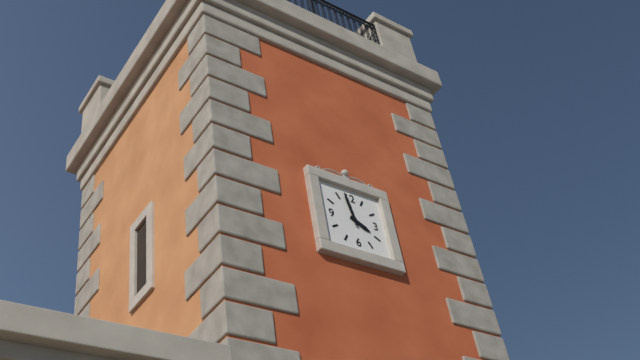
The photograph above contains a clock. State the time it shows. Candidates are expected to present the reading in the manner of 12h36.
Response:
3h58
